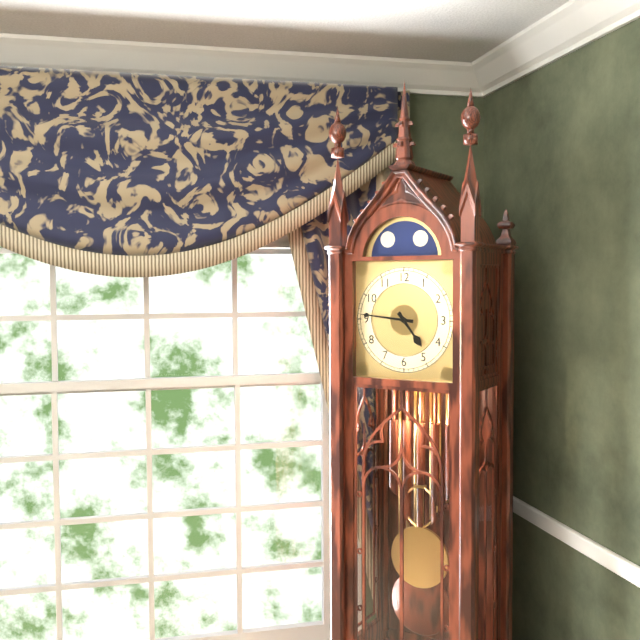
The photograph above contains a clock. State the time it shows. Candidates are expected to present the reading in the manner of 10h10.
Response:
4h46
